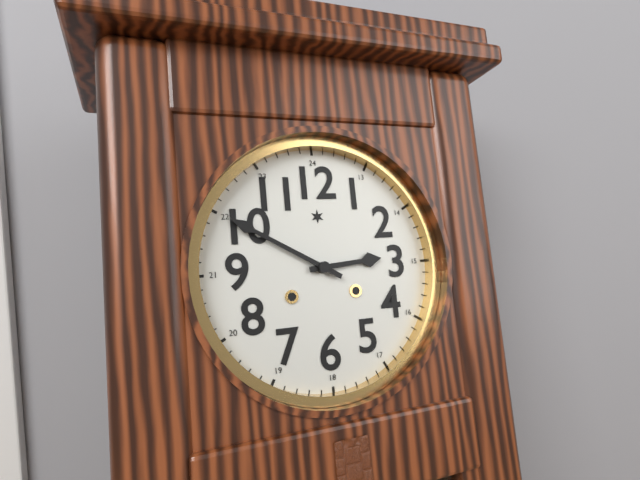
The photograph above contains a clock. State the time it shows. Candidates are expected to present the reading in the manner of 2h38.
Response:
2h50
